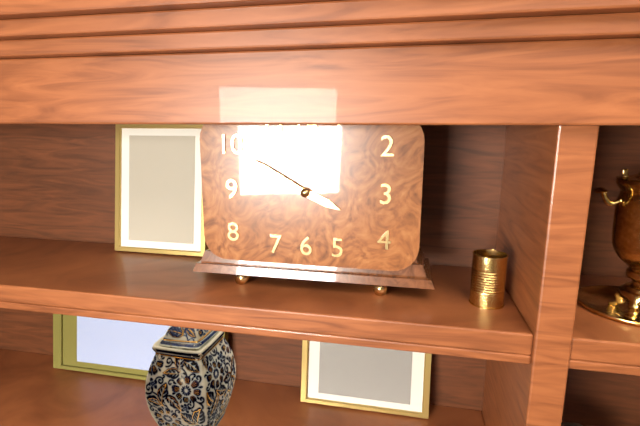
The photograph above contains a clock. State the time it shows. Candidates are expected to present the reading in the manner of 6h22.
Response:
3h50
